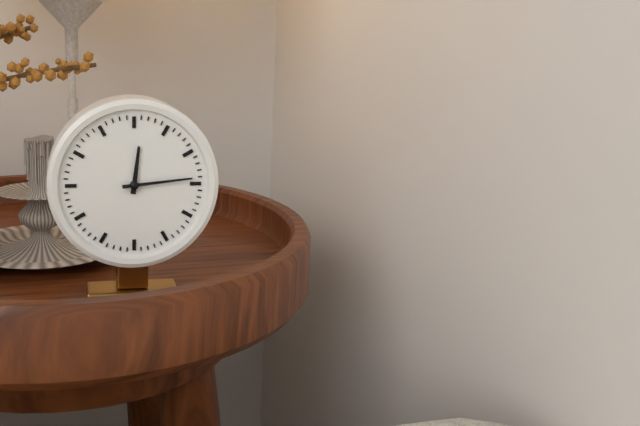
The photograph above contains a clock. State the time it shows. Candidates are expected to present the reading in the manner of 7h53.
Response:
12h14
